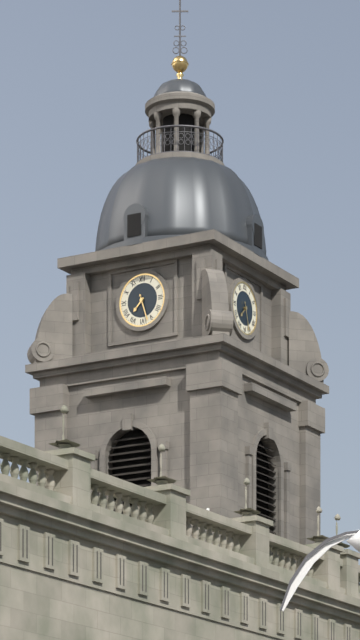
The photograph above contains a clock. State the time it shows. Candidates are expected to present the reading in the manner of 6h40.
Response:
7h27
